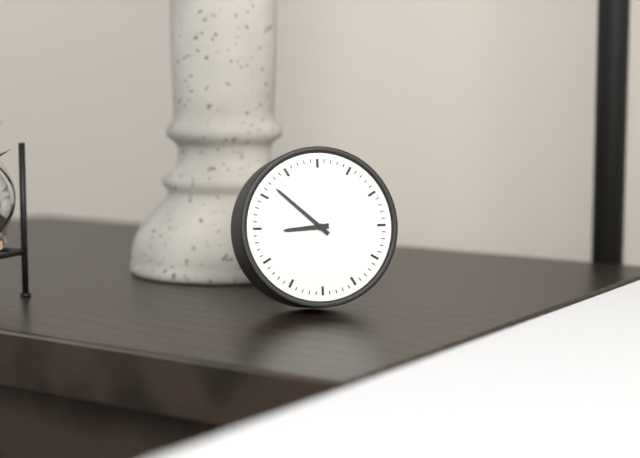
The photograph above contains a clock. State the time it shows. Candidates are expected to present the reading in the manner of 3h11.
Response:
8h52
